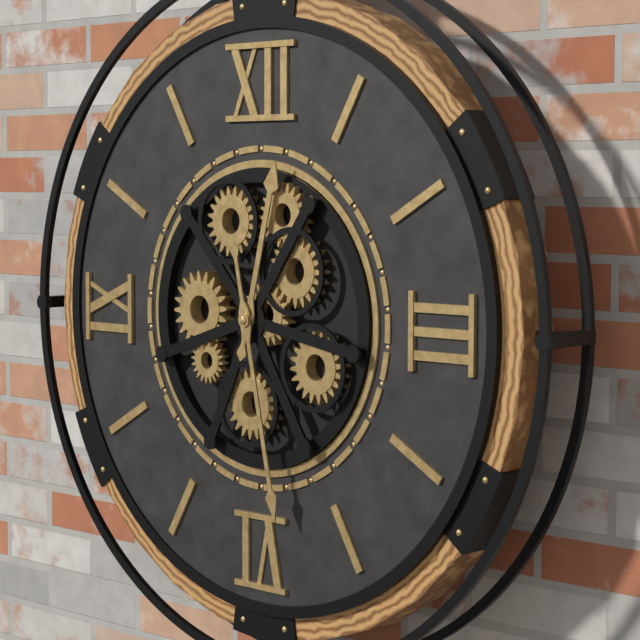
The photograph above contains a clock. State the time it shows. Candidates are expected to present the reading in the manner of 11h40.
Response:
12h28
